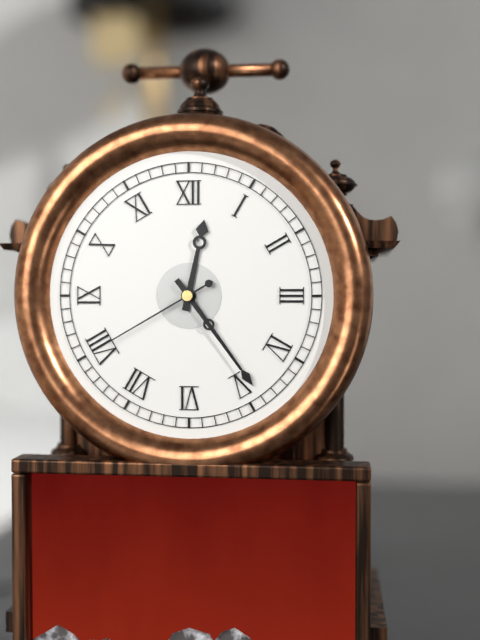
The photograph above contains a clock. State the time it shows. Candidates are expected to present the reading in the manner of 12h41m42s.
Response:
12h24m40s
